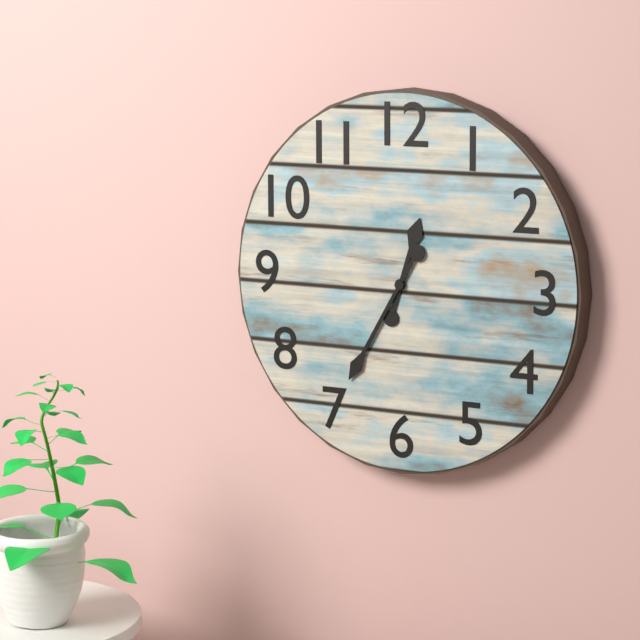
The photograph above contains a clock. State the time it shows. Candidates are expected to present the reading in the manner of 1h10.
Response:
12h35
